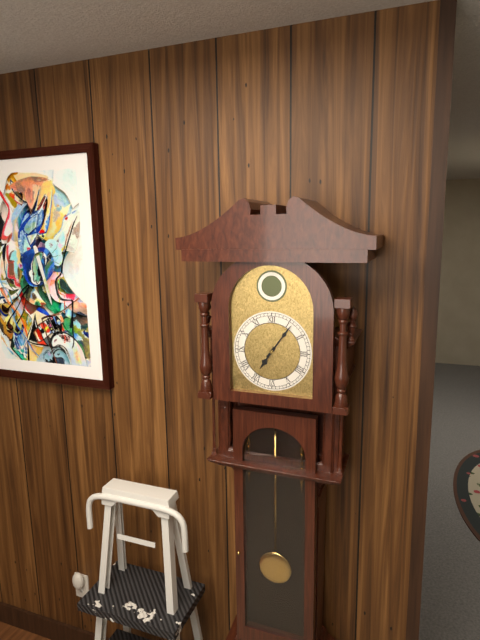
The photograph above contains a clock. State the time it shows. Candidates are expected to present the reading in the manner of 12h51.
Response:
7h06
